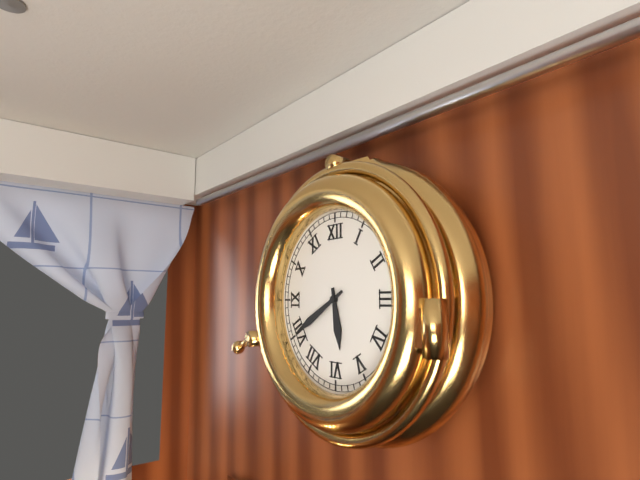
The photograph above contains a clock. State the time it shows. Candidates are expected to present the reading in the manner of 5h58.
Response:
5h40
